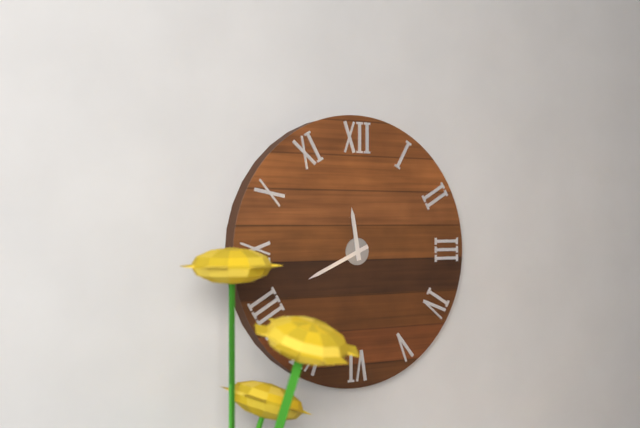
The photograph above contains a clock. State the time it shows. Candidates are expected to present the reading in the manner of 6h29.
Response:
11h41
